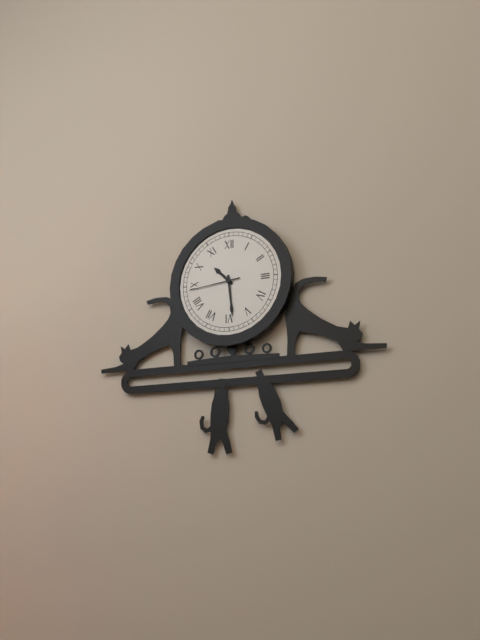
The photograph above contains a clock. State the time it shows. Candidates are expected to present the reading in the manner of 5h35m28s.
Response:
10h29m44s
